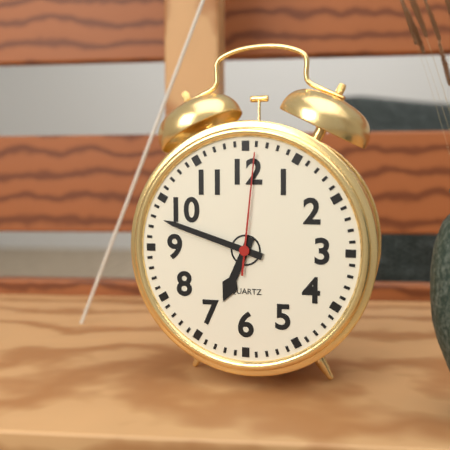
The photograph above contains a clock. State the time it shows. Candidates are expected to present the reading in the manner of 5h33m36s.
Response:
6h48m01s
